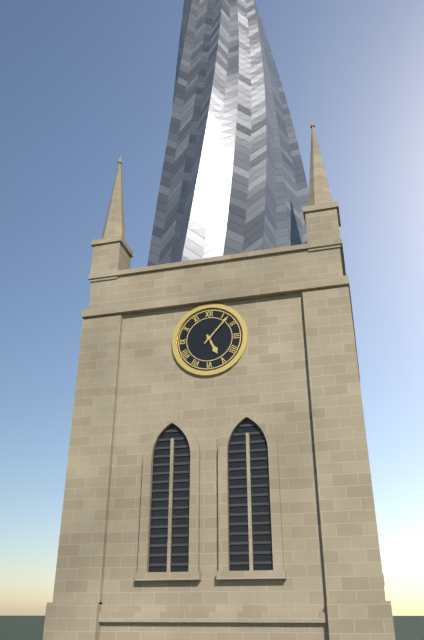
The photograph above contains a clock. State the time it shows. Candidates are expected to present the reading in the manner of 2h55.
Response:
5h07
